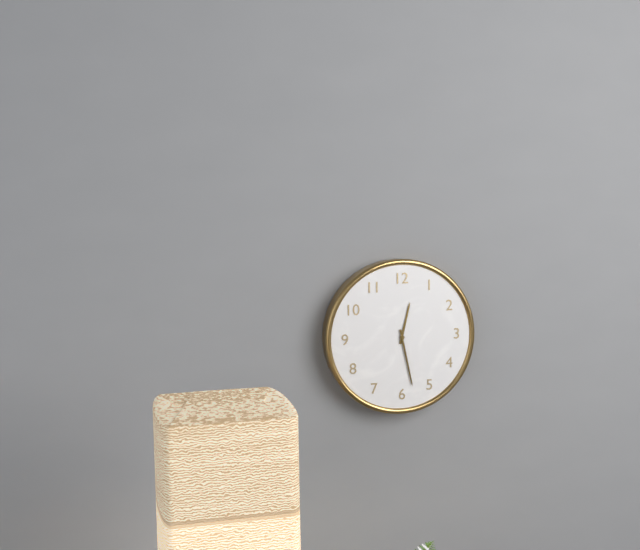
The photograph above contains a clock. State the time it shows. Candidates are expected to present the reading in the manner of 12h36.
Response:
12h28
